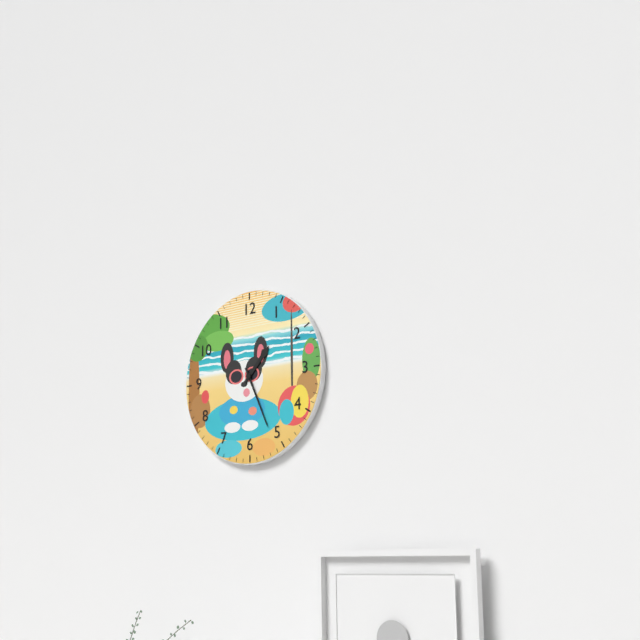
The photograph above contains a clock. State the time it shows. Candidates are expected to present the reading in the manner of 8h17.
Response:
1h26
